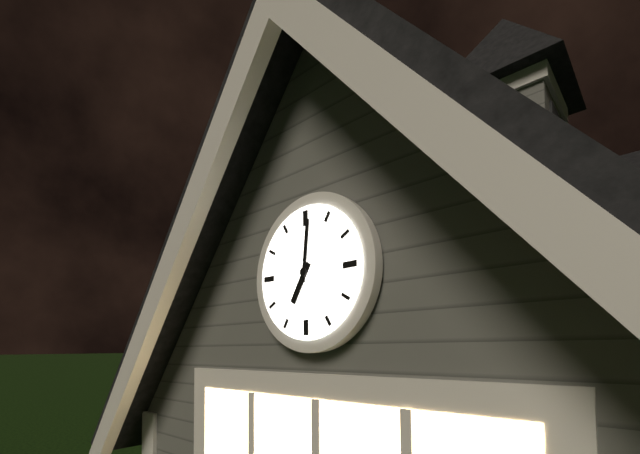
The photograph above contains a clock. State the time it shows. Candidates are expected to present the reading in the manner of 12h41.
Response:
7h01
